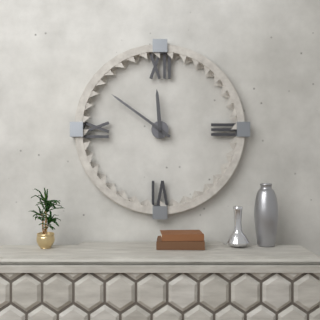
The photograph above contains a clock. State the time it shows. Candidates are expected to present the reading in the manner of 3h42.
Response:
11h51
